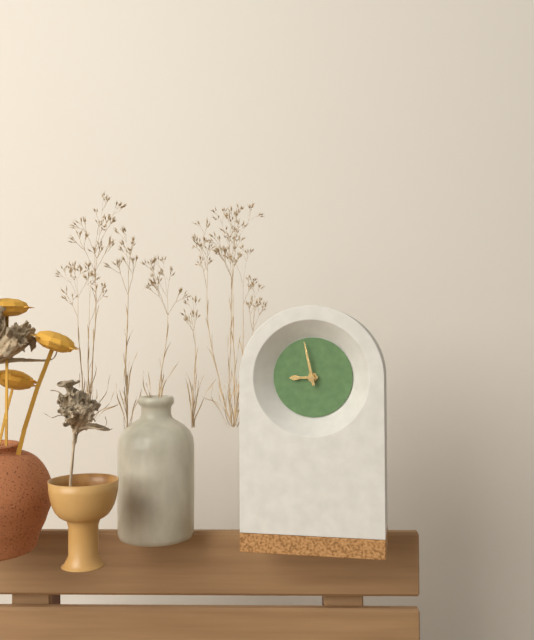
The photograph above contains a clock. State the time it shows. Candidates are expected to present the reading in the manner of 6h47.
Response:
8h58
